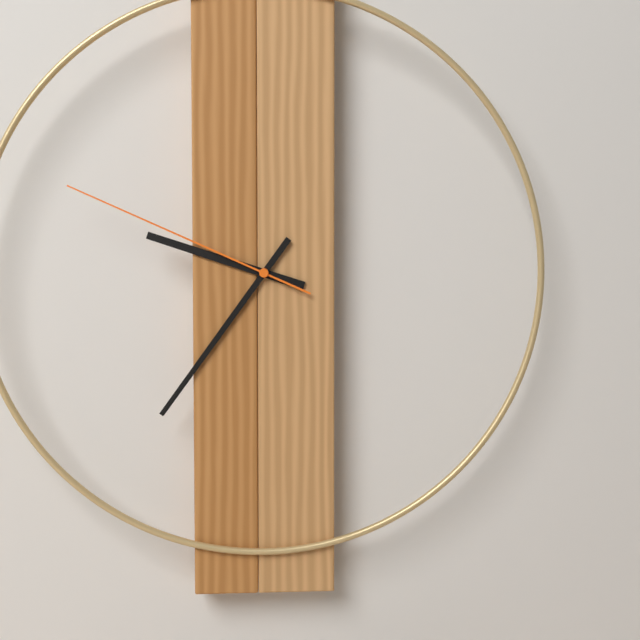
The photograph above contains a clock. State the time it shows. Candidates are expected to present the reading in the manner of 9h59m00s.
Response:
9h36m49s
